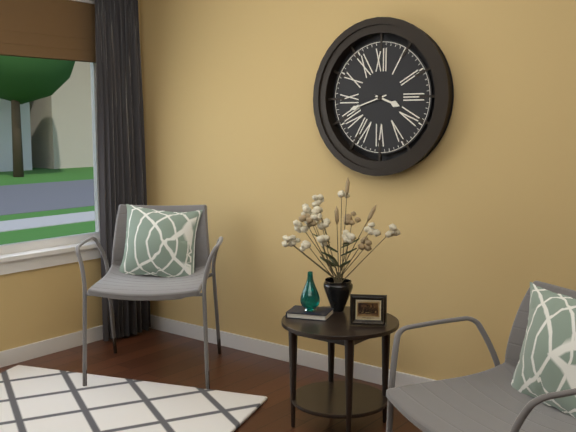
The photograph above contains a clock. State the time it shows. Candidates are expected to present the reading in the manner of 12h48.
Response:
3h42
